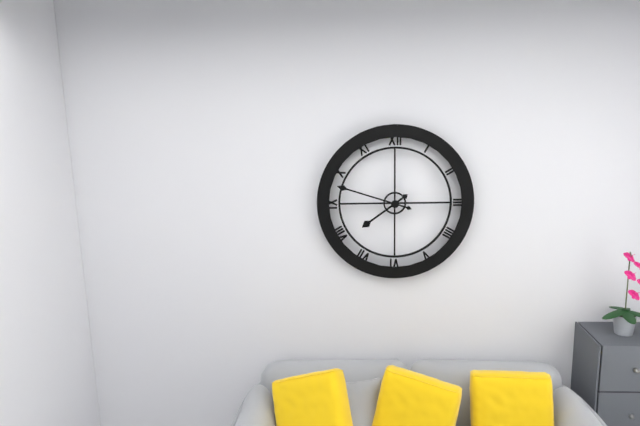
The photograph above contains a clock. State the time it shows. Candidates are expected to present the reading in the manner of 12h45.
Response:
7h48
